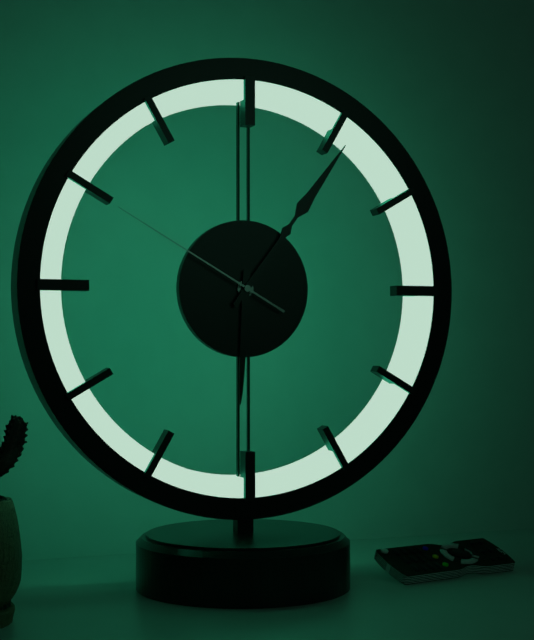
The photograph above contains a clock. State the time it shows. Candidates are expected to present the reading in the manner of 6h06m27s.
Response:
6h06m50s
